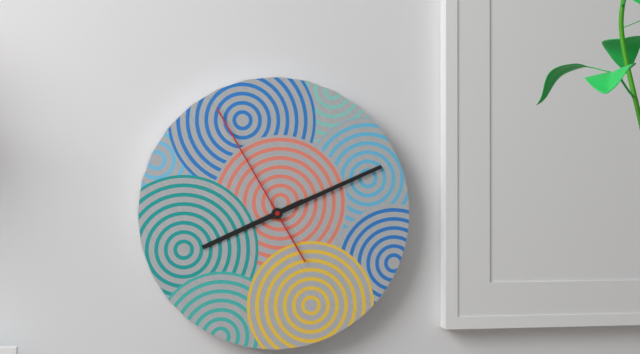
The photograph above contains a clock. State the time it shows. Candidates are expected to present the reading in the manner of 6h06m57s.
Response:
8h11m55s
